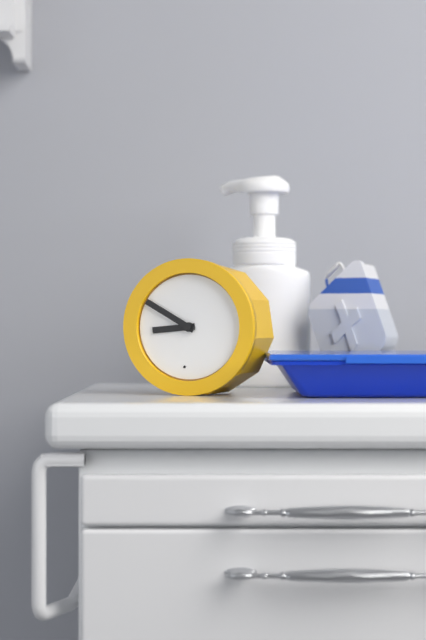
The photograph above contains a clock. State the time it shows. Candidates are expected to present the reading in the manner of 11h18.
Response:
8h50
